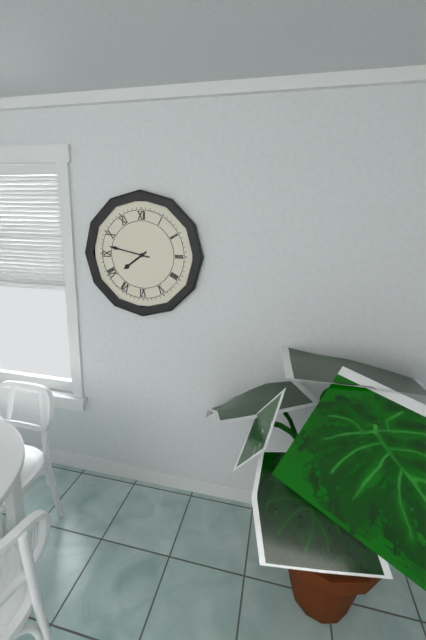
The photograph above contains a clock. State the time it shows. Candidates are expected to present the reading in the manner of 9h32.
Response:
7h47
